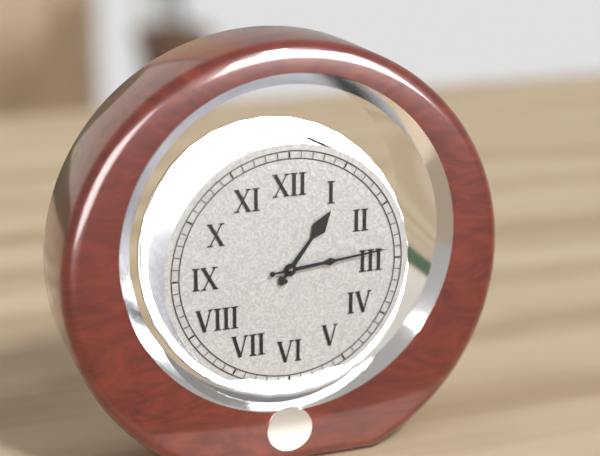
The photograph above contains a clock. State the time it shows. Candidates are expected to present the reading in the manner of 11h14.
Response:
1h14
